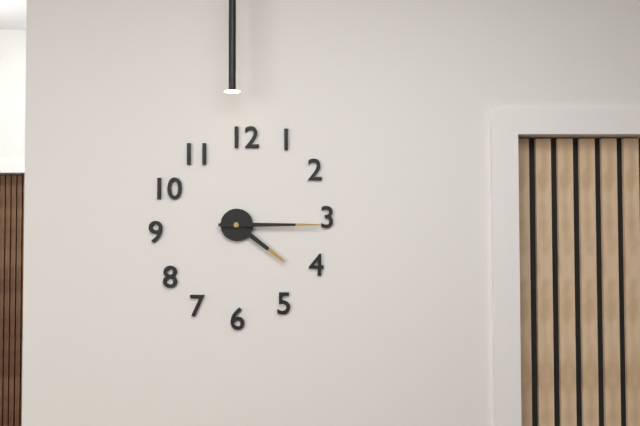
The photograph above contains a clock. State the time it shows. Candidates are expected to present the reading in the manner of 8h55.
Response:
4h15
